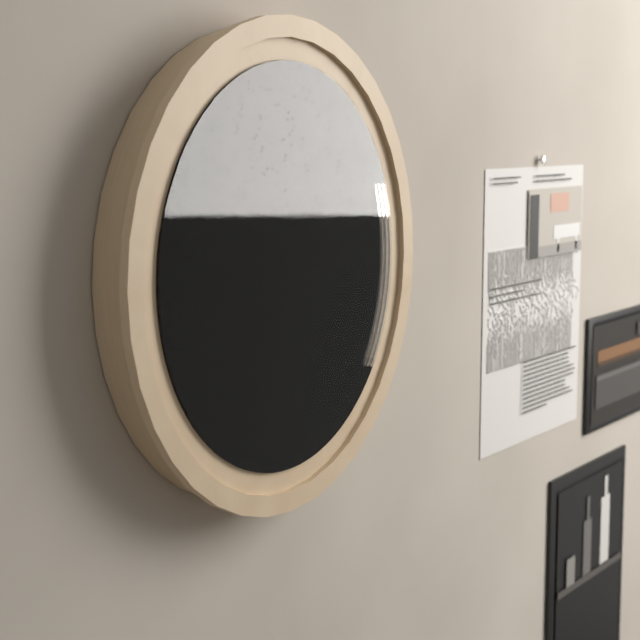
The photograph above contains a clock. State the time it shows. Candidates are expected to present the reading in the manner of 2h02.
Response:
6h02
